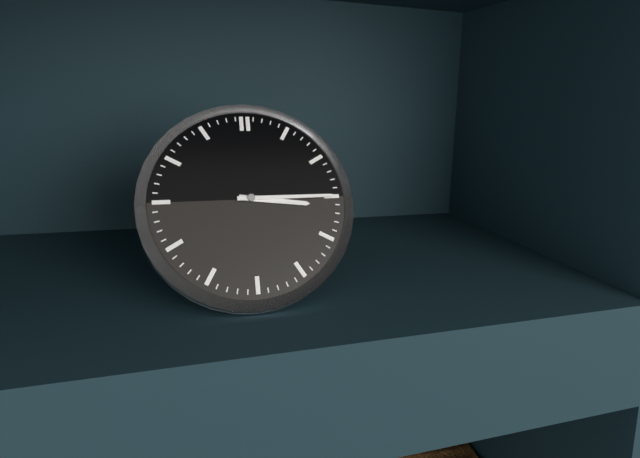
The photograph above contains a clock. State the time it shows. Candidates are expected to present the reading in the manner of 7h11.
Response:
3h15
